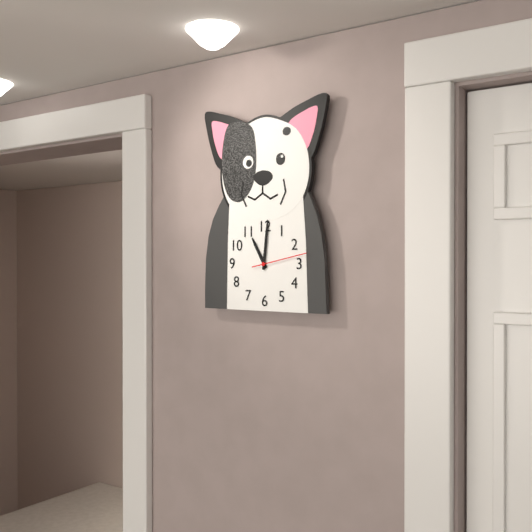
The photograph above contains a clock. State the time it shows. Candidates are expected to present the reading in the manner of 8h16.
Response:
11h01
